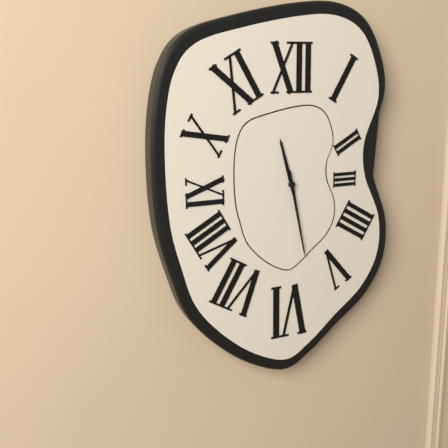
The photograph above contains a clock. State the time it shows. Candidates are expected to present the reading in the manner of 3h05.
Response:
11h28
